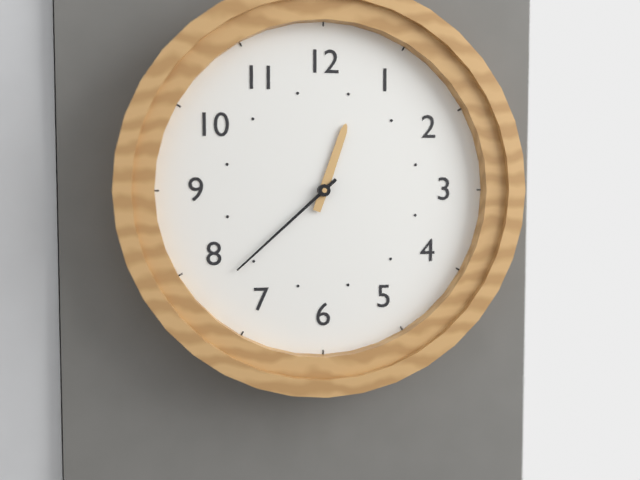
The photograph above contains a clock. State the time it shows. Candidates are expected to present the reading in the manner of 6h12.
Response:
12h38
